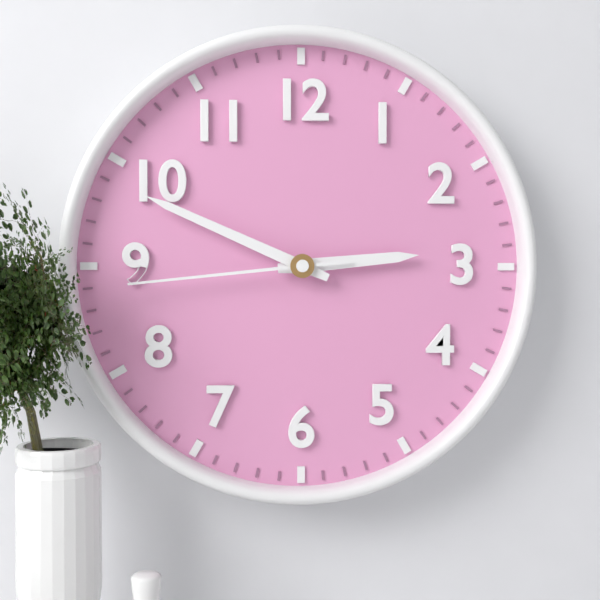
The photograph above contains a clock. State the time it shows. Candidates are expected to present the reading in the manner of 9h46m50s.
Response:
2h49m44s
